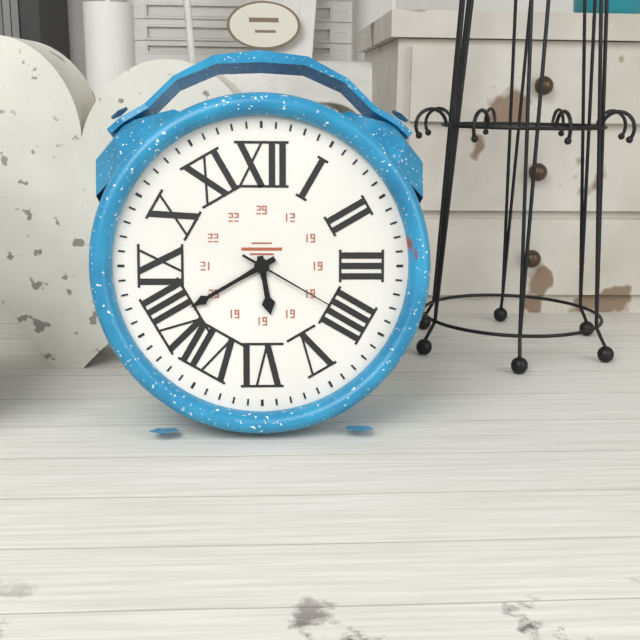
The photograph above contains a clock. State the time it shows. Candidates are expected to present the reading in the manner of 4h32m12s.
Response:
5h40m20s
